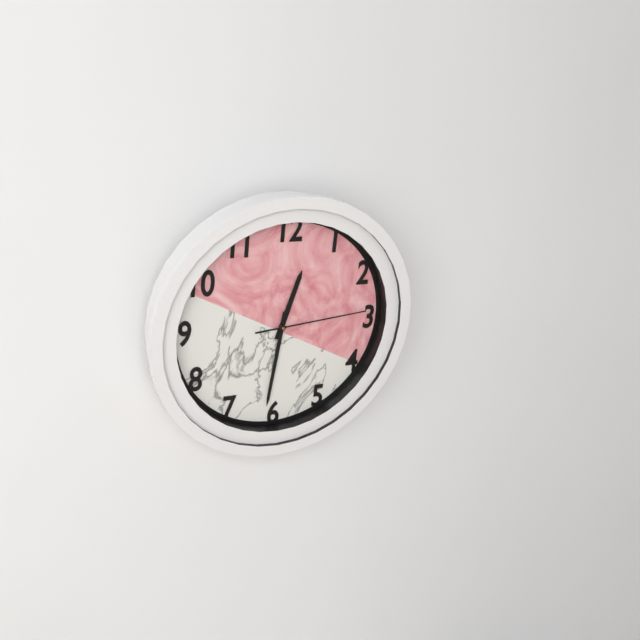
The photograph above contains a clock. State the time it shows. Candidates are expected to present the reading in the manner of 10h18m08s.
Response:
12h31m14s
